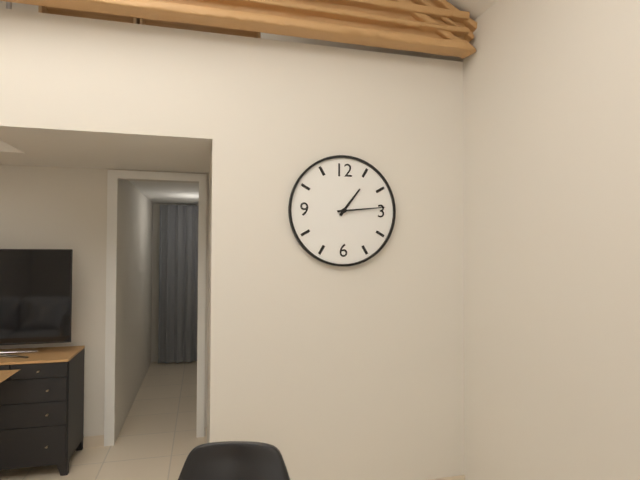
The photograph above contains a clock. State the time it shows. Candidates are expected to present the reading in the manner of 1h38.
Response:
1h14
